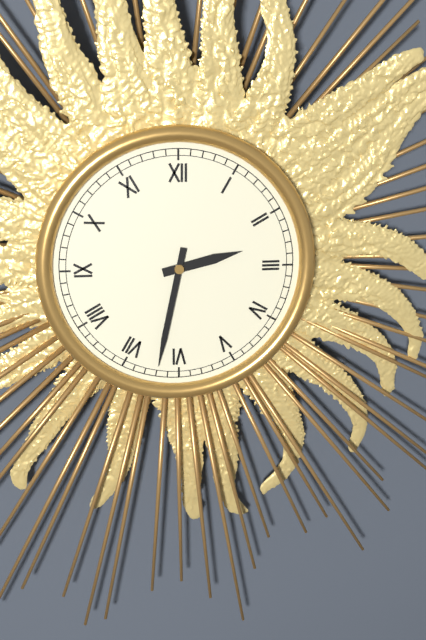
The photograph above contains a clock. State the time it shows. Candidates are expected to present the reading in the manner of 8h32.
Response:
2h32
